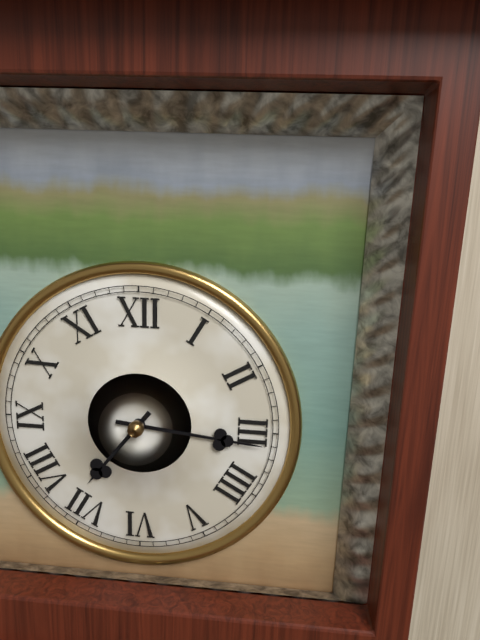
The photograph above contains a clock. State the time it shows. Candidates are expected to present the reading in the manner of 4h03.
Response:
7h16
